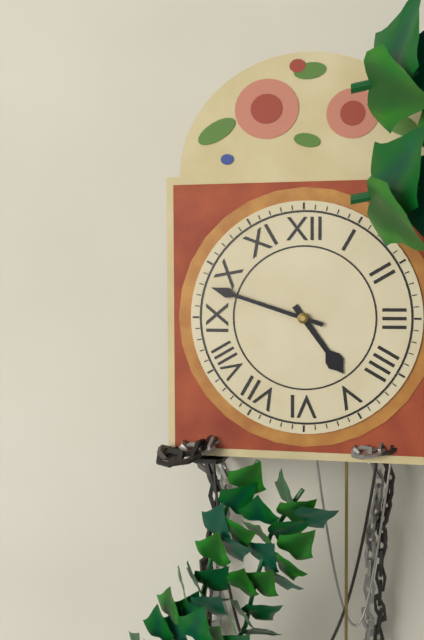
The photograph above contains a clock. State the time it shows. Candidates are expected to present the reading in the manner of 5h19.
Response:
4h48
